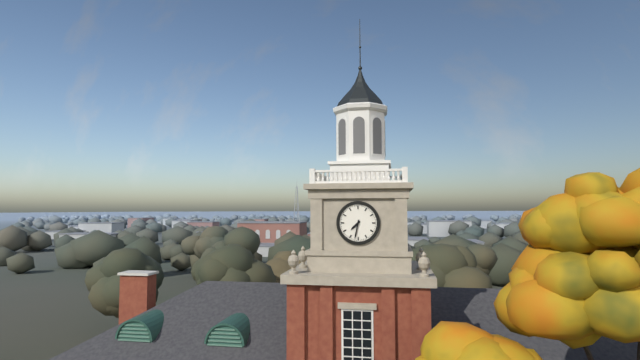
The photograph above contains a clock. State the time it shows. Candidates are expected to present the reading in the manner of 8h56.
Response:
7h32
